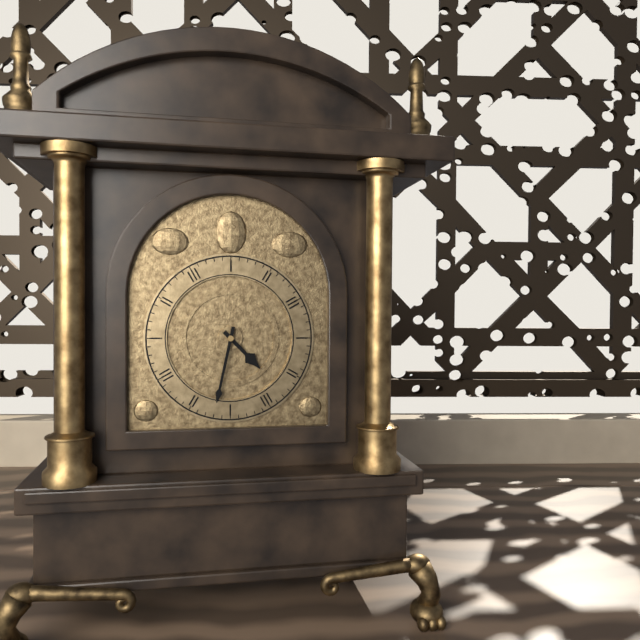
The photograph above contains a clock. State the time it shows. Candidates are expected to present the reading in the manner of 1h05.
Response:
4h32
